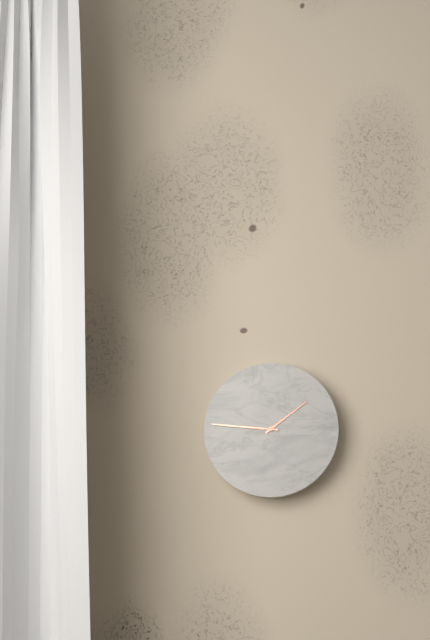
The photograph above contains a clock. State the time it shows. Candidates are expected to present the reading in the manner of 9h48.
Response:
1h46
